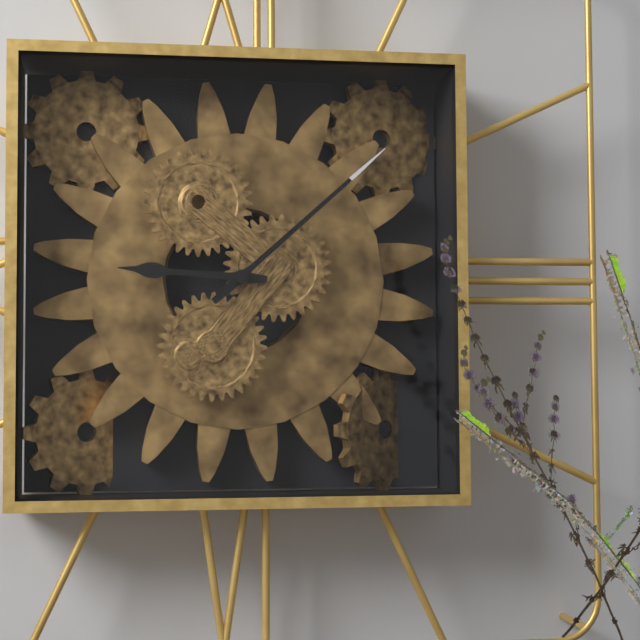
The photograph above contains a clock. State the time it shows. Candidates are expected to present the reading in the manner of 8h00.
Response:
9h08
